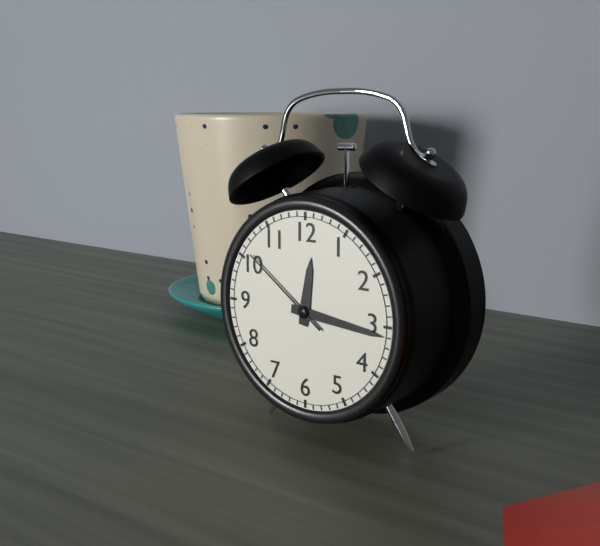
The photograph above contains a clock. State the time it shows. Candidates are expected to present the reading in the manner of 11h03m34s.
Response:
12h16m51s
